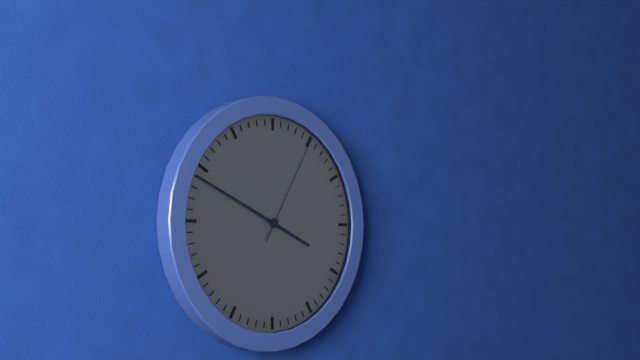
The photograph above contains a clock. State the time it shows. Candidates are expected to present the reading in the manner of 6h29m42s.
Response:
3h49m05s
